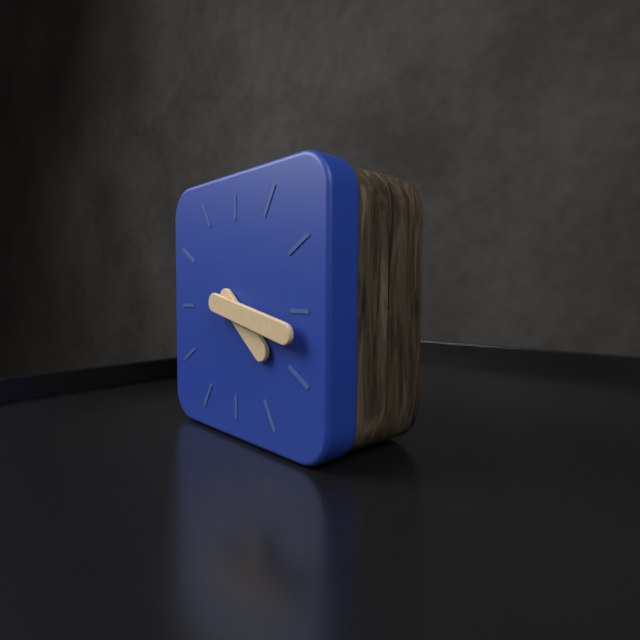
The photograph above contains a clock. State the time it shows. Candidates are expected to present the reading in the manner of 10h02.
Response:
4h17
